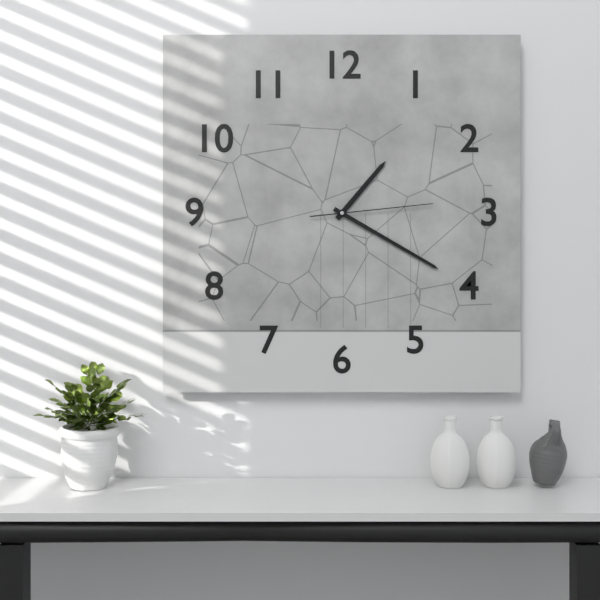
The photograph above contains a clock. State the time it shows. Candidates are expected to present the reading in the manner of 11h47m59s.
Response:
1h20m14s
